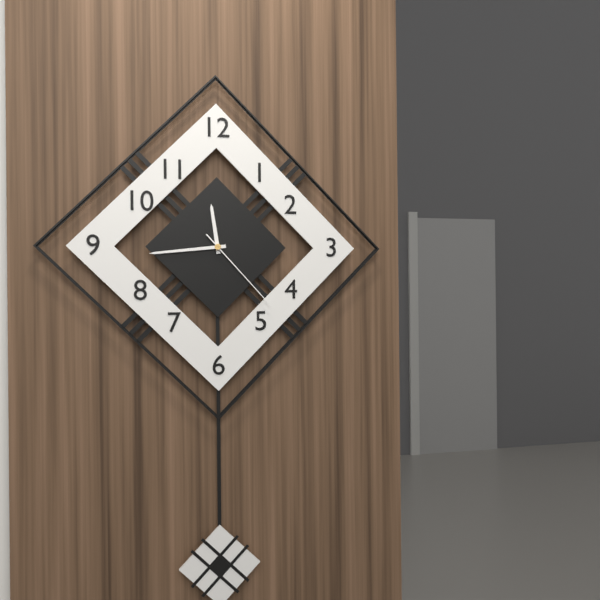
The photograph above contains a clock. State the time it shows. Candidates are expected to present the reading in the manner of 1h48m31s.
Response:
11h44m23s
